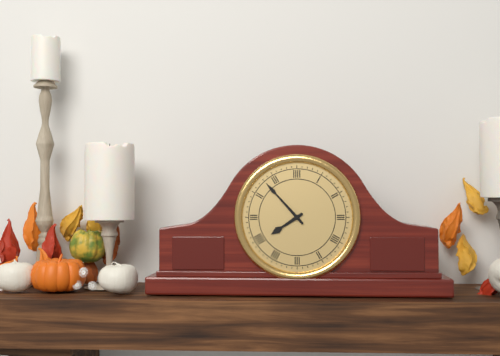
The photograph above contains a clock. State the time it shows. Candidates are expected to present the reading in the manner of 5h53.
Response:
7h53
